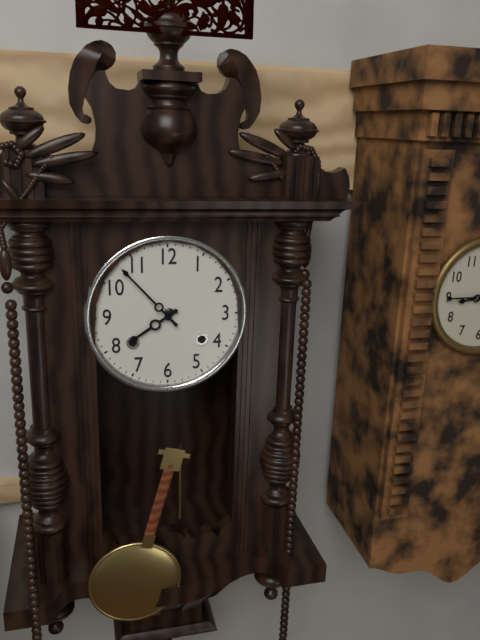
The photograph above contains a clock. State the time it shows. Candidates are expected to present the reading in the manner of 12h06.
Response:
7h53
